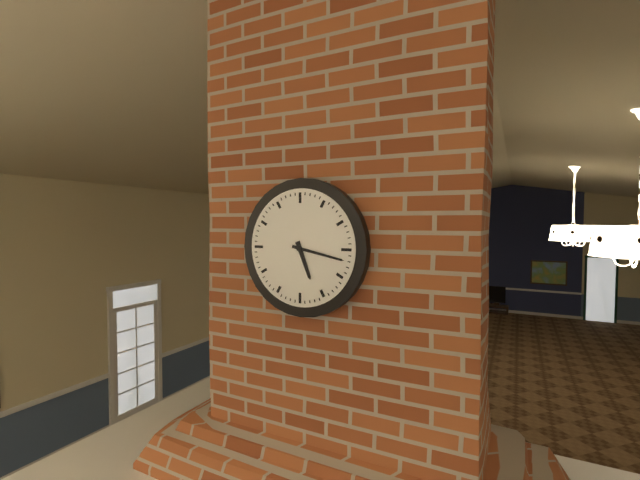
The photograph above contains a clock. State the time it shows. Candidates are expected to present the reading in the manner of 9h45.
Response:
5h17
